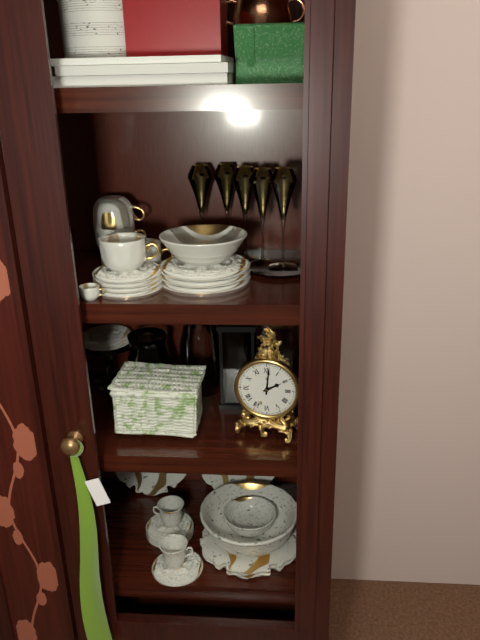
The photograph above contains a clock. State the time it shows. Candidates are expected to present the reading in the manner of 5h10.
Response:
2h01
